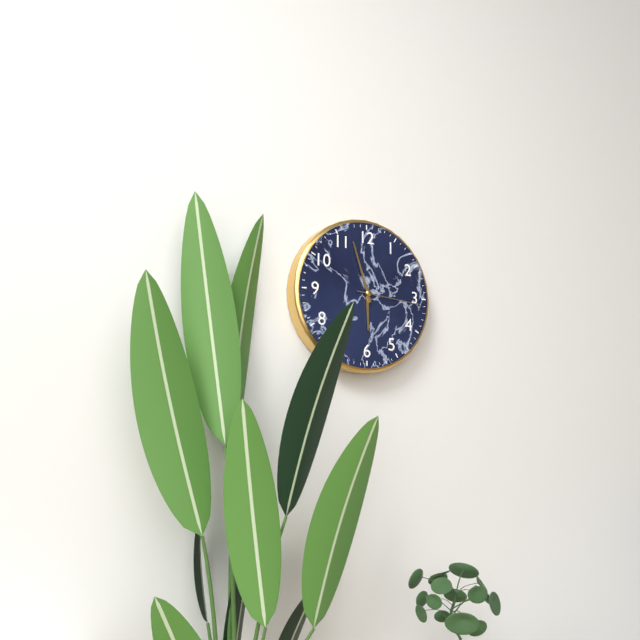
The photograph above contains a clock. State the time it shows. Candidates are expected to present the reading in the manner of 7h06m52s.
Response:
5h57m16s
